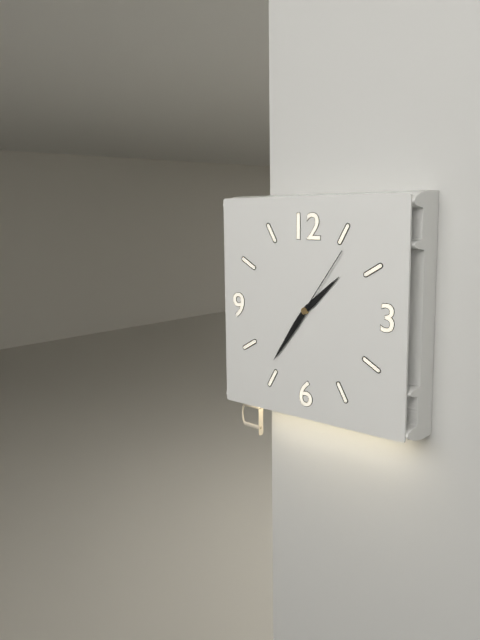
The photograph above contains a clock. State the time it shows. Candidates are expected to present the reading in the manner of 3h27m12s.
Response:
1h36m06s
